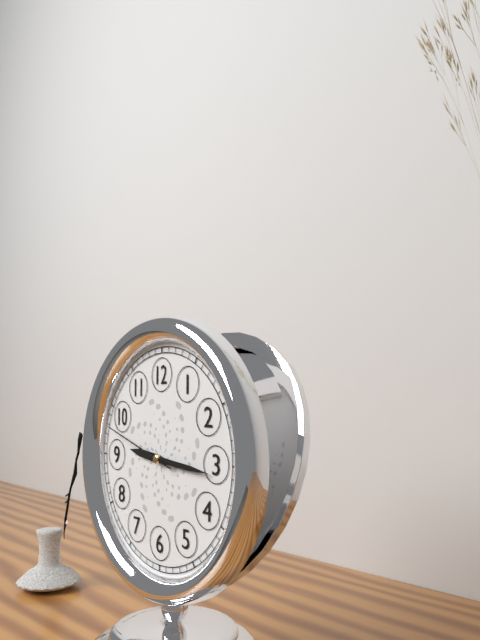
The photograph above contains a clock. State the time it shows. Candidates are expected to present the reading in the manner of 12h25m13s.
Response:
9h16m48s
